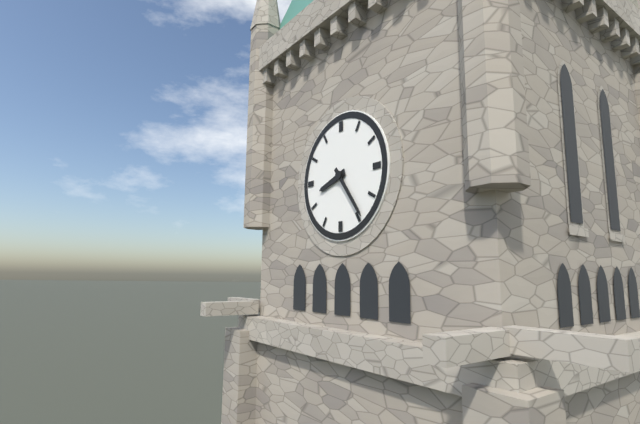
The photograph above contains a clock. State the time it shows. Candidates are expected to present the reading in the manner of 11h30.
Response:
8h24
